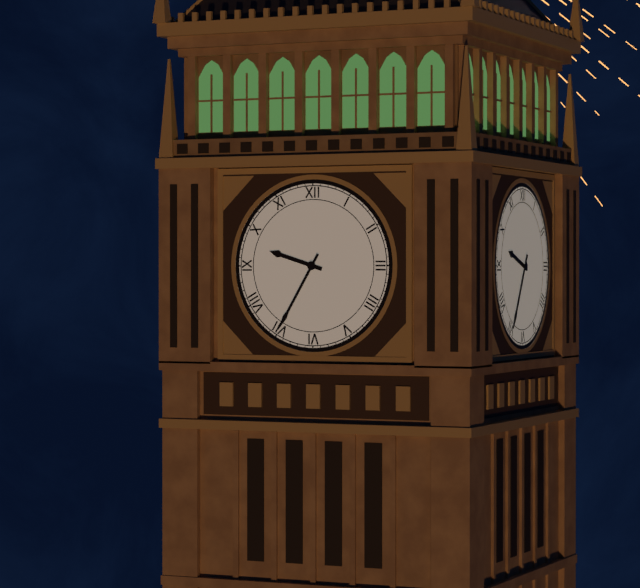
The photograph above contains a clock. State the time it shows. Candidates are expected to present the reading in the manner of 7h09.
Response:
9h35
